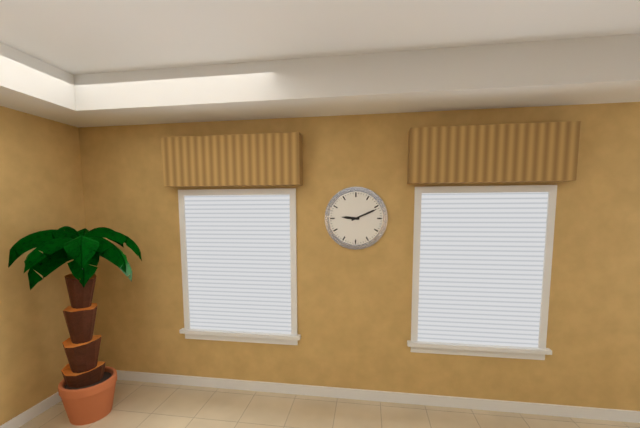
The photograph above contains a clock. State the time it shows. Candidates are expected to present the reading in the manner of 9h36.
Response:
9h11
